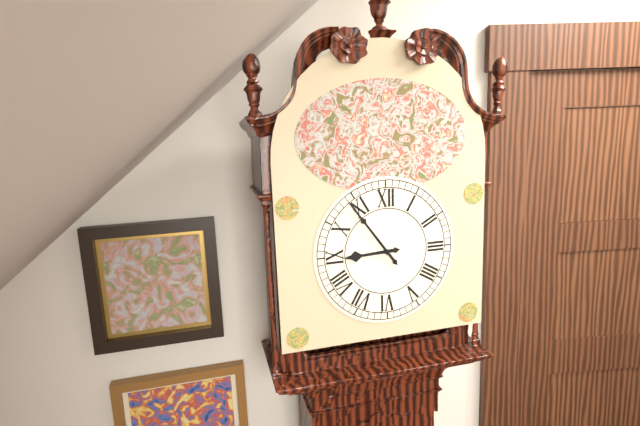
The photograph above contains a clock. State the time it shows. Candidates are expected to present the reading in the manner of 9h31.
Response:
8h54
